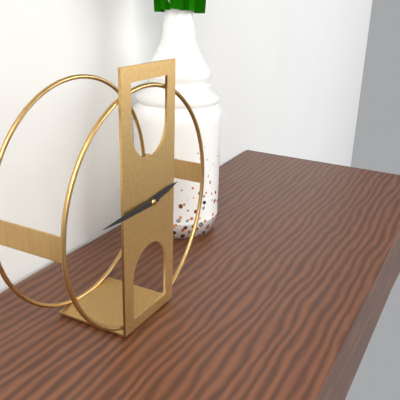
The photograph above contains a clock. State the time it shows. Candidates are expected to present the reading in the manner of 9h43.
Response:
2h45
